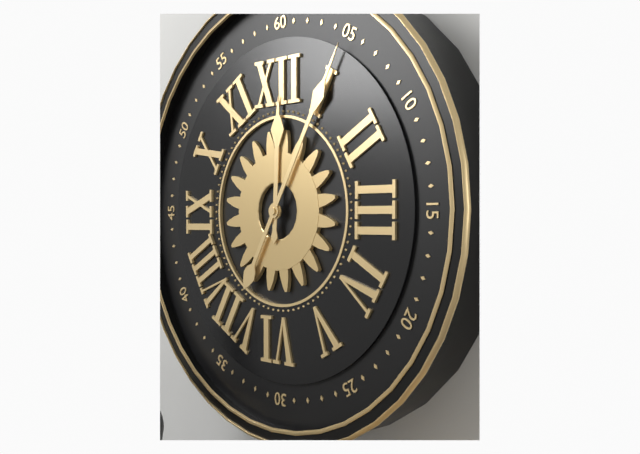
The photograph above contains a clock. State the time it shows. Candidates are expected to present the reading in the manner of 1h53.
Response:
12h05
